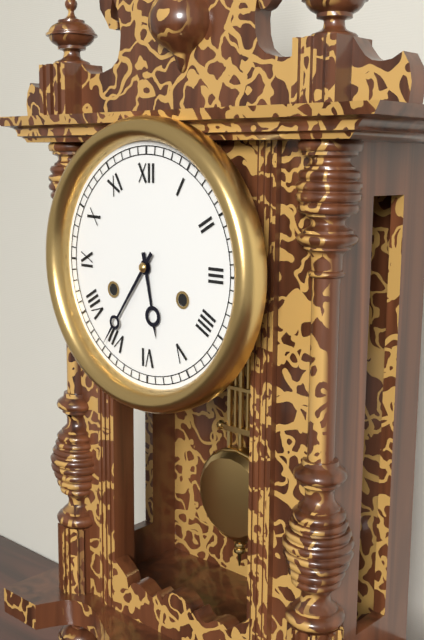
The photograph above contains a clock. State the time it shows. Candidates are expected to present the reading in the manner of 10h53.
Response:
5h36
